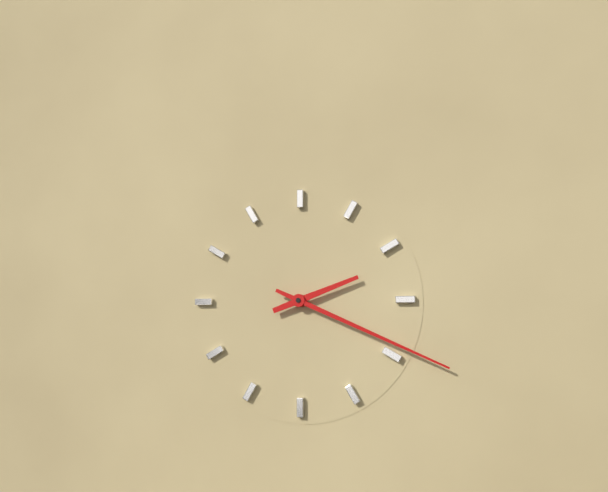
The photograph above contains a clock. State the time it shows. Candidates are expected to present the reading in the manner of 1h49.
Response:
2h19
